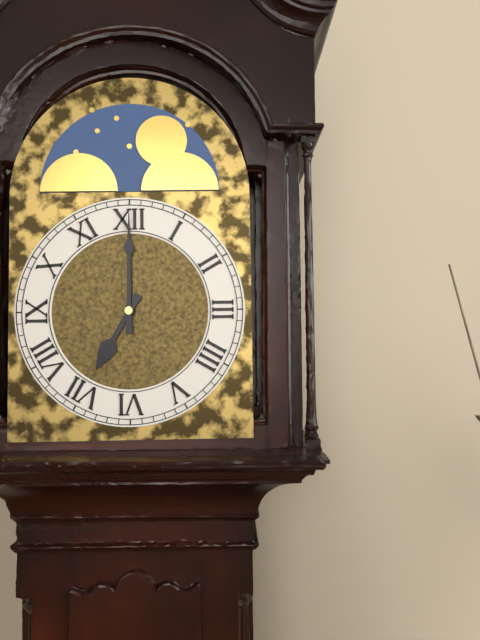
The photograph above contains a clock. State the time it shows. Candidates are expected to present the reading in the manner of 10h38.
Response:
7h00
